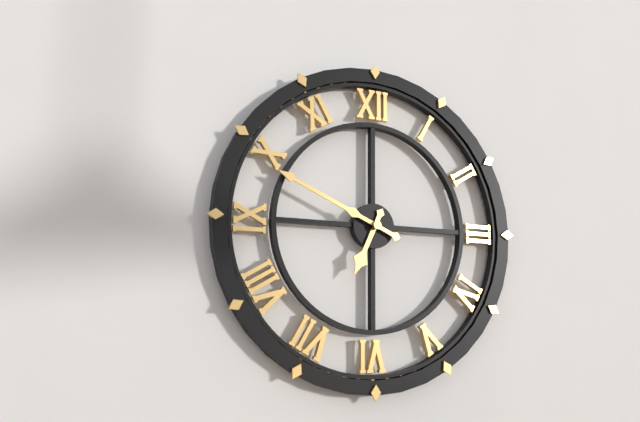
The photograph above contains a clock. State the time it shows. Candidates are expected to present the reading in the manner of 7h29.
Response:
6h49
